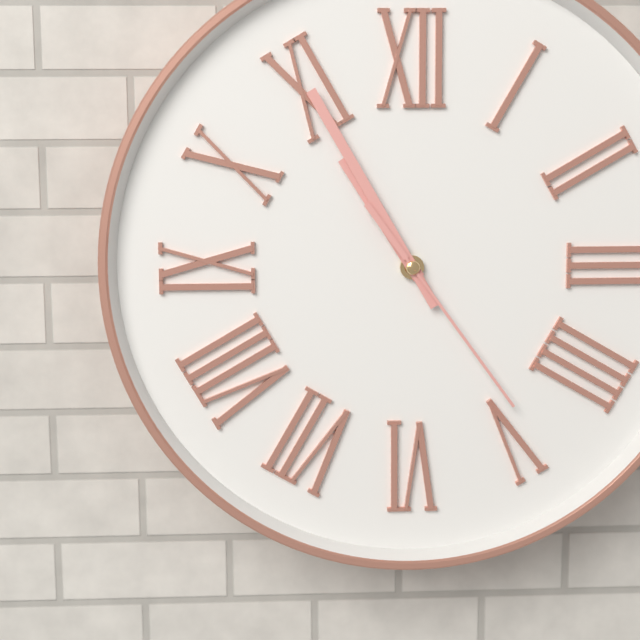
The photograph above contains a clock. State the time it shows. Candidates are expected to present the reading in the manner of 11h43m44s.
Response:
10h55m24s
